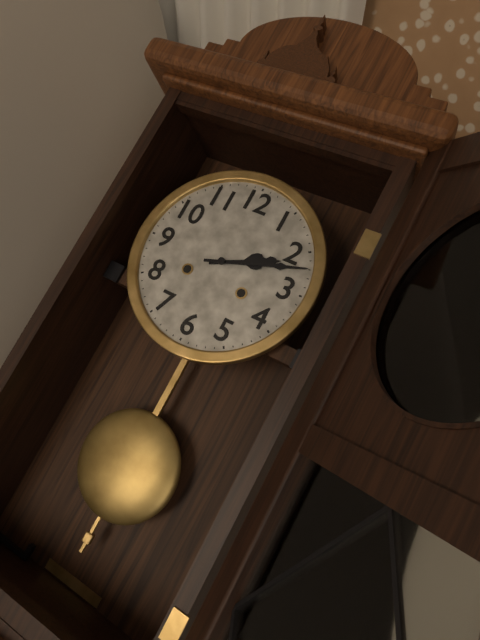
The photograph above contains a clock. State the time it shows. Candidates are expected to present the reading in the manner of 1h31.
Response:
2h12
